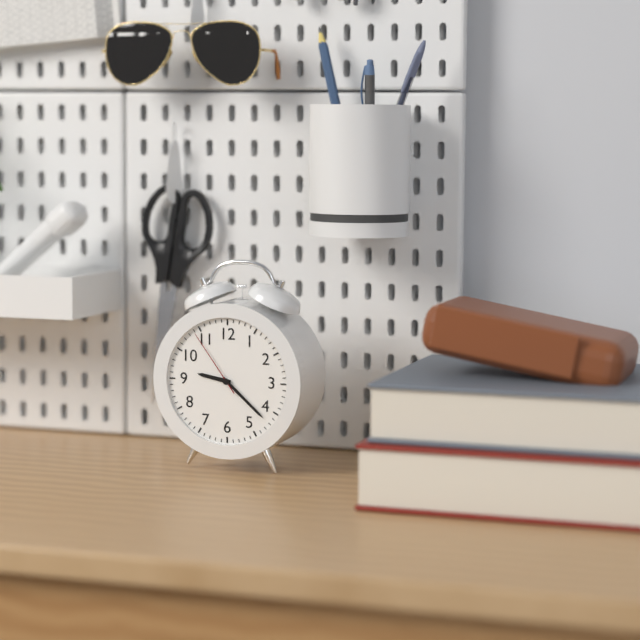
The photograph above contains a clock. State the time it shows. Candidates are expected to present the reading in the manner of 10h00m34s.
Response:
9h22m54s
